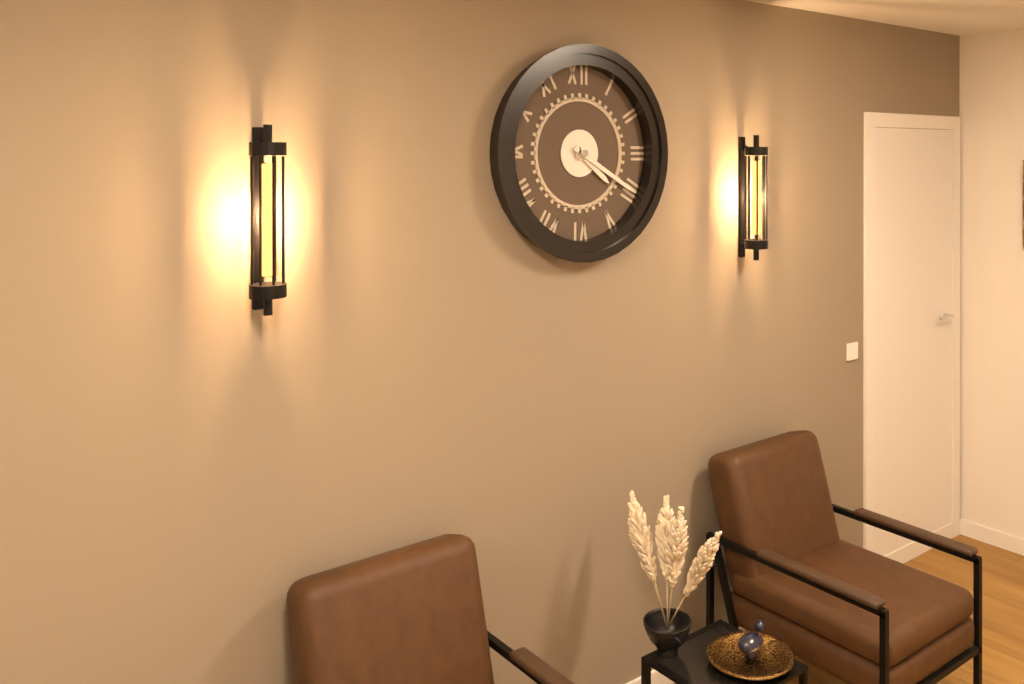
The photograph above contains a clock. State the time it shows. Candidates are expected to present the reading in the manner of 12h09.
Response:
4h20
